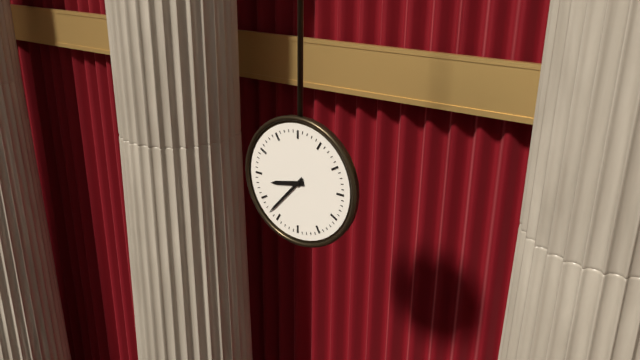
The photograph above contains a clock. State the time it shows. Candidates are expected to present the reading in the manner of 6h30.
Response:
8h37
